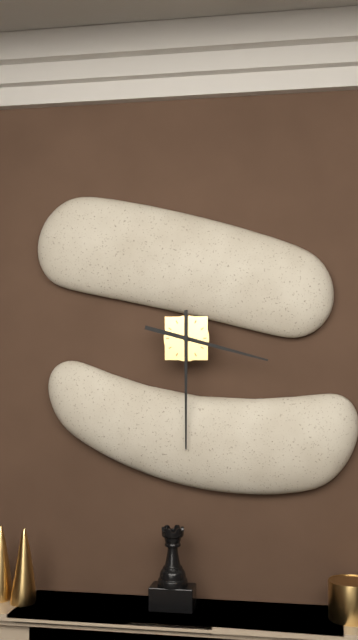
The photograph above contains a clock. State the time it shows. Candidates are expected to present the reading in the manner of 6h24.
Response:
3h30
